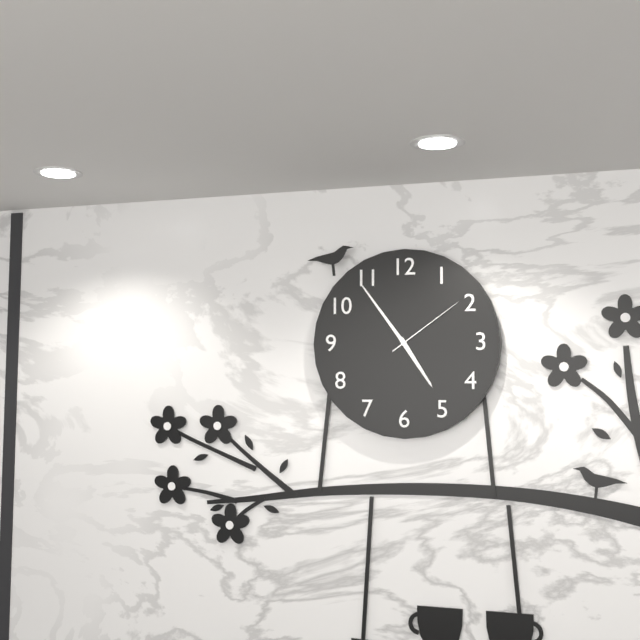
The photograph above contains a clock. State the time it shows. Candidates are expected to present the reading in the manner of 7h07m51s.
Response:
4h54m09s
